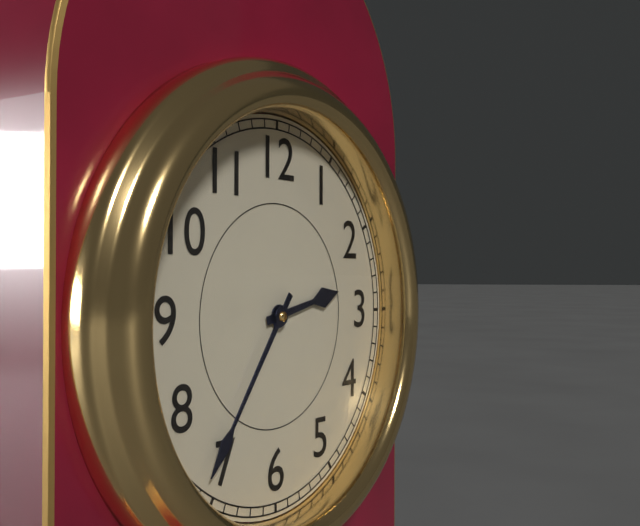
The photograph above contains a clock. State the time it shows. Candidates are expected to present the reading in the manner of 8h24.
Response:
2h36
